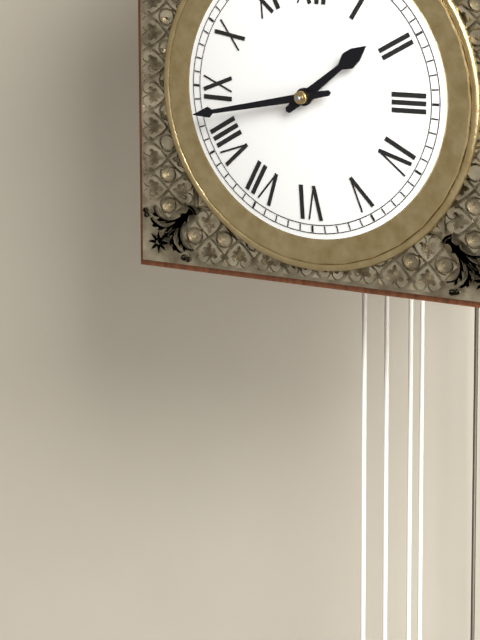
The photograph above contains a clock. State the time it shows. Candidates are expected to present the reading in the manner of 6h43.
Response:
1h43
